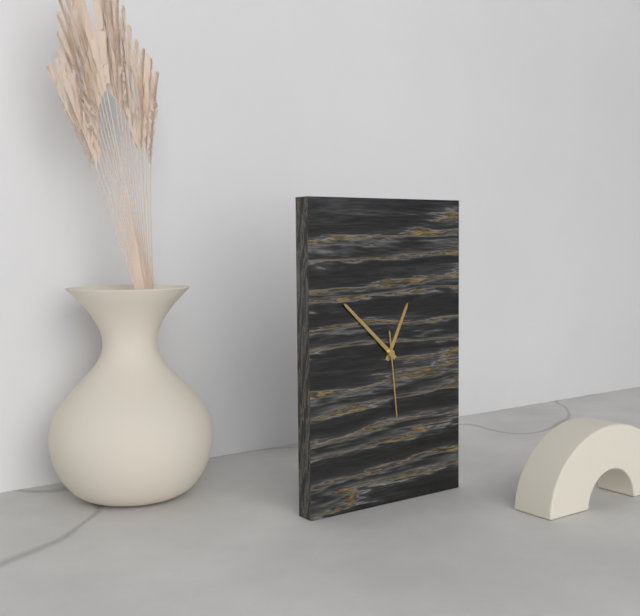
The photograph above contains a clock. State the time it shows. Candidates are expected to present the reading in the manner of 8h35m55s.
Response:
12h52m29s
